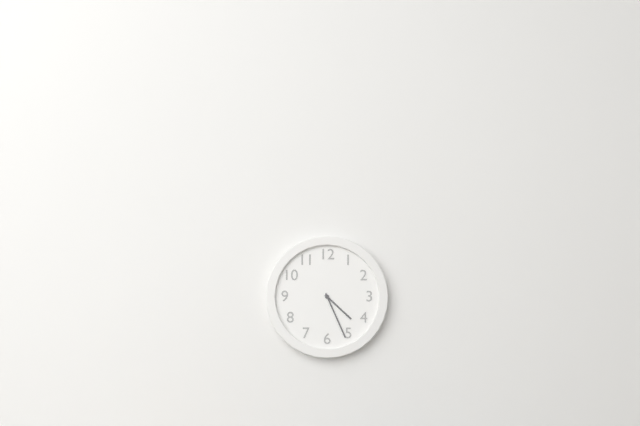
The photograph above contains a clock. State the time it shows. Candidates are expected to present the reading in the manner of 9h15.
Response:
4h26
